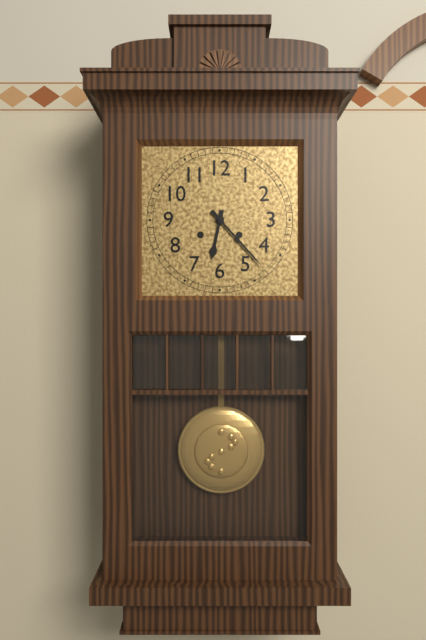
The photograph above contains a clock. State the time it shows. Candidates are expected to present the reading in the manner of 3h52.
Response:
6h23
